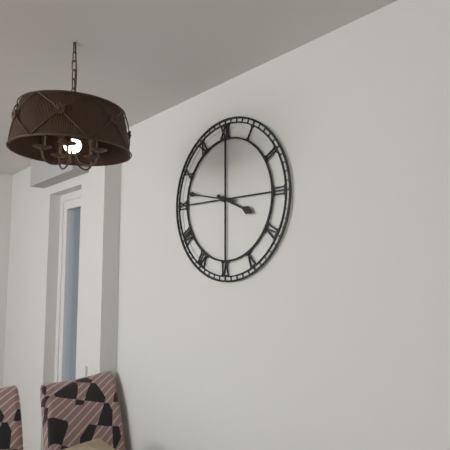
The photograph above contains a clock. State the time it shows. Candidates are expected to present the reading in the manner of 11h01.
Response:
3h47
